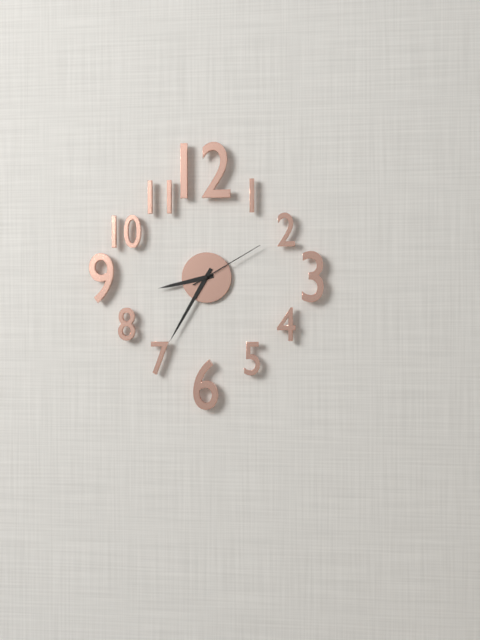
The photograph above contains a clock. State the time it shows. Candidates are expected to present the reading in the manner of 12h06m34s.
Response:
8h35m10s
